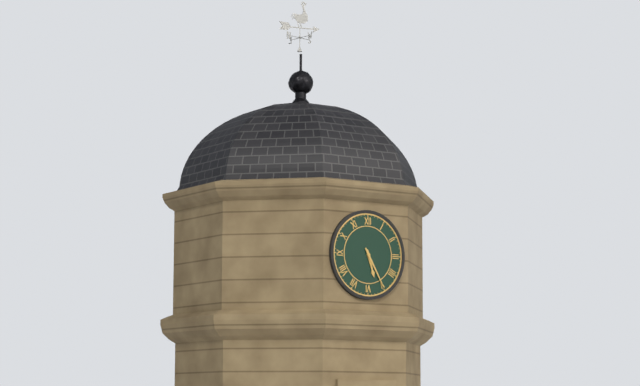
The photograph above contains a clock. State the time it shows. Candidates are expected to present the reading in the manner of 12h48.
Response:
5h25
